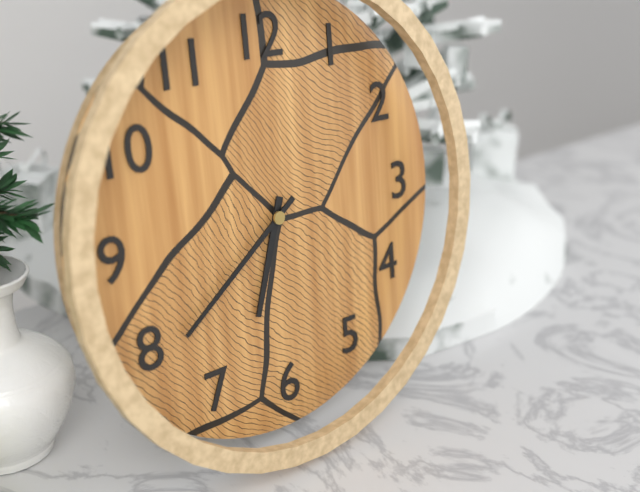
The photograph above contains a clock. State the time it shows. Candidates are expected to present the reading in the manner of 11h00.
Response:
6h39
